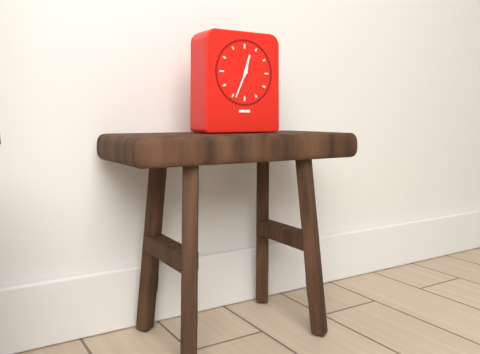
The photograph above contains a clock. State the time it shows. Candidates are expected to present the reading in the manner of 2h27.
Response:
12h34
